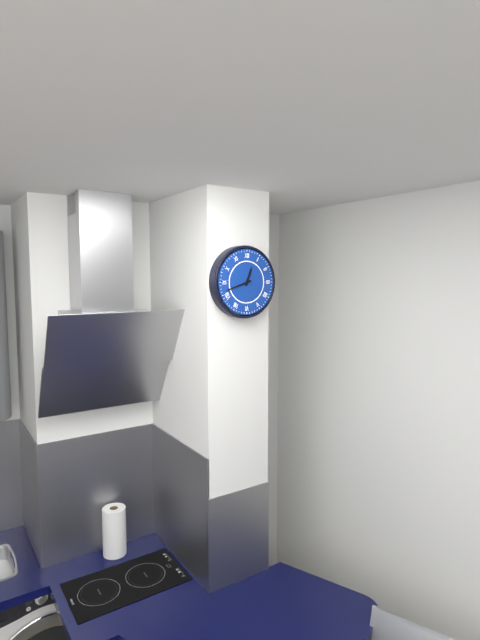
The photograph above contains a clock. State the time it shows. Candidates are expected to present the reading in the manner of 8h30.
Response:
12h42
